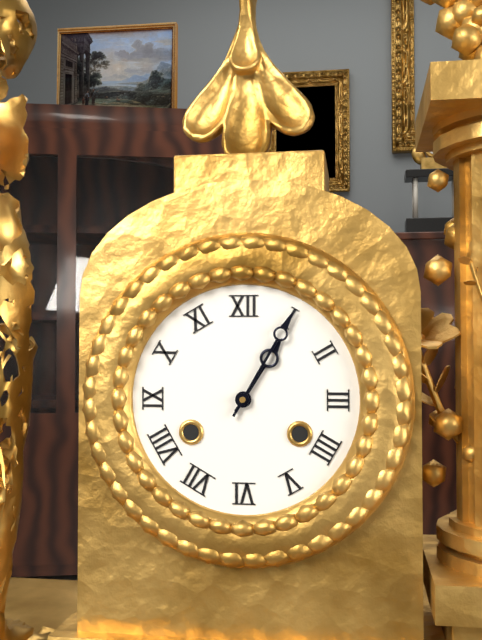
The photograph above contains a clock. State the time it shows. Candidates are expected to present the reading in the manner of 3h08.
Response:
1h05
